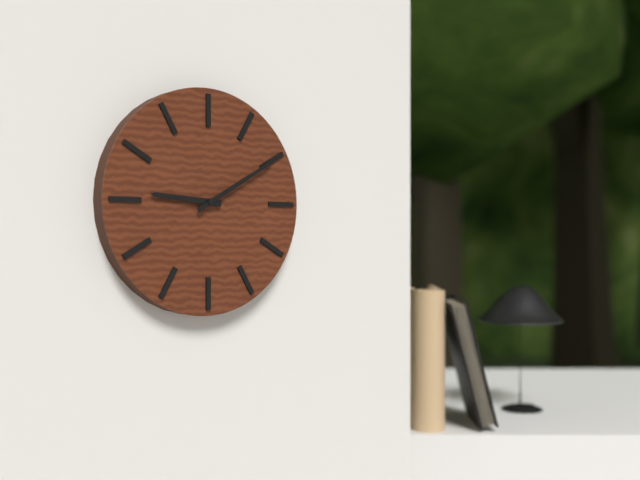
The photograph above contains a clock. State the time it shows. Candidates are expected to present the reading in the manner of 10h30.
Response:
9h10
